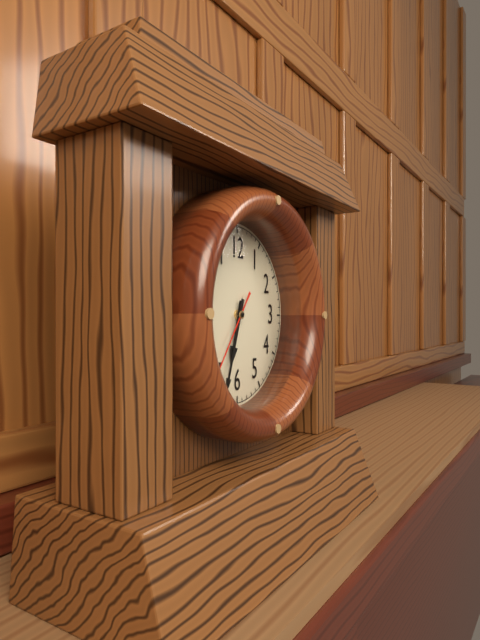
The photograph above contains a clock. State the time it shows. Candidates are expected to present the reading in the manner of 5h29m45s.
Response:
6h33m36s
